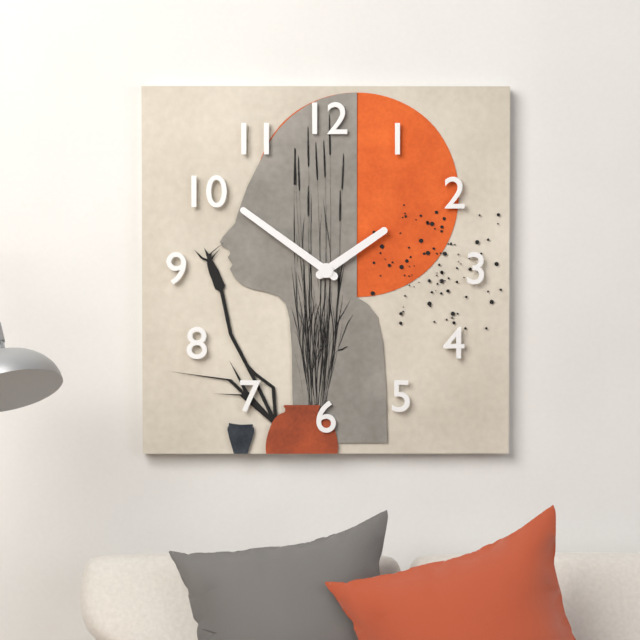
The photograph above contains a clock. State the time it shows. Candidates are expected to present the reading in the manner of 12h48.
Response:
1h51
